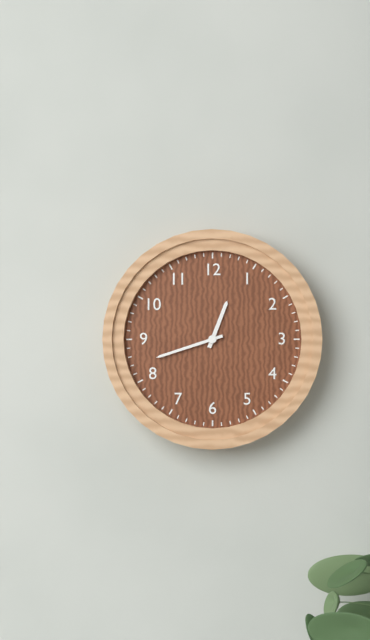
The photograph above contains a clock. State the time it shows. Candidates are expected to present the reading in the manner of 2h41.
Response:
12h42
